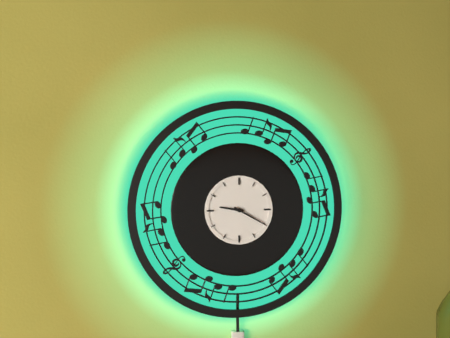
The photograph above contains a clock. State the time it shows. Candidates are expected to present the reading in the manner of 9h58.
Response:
9h20
